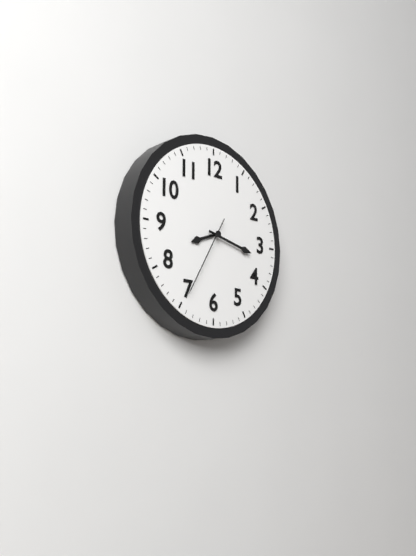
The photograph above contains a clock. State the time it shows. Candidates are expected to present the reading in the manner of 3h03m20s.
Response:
8h17m35s
